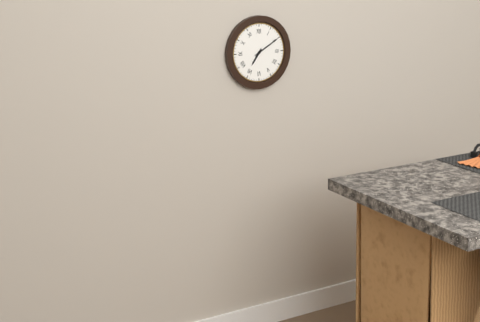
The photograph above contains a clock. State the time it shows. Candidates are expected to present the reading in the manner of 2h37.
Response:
7h10
